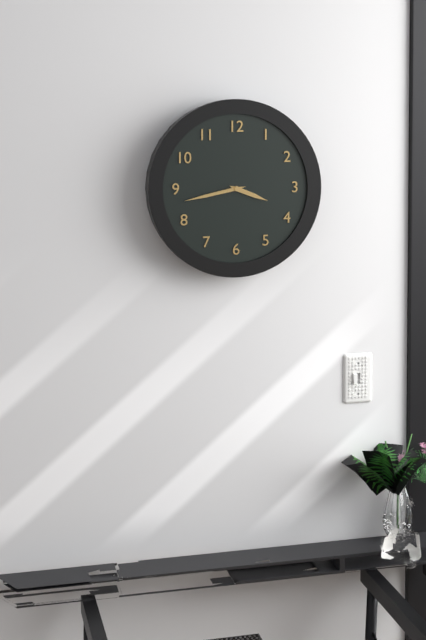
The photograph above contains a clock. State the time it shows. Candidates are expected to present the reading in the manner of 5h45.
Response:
3h43
